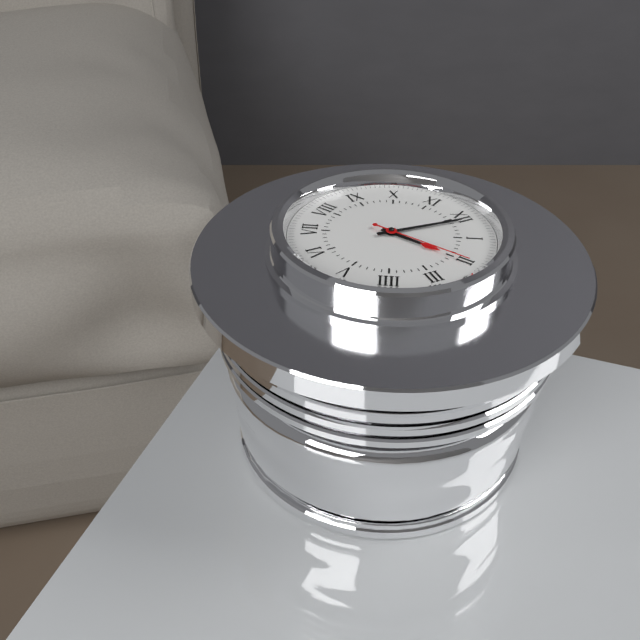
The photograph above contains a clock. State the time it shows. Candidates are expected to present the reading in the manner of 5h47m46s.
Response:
2h01m10s
